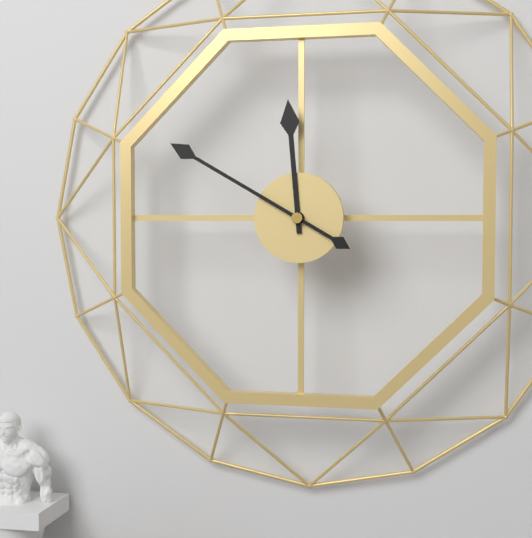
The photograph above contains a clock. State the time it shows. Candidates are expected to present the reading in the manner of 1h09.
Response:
11h50
